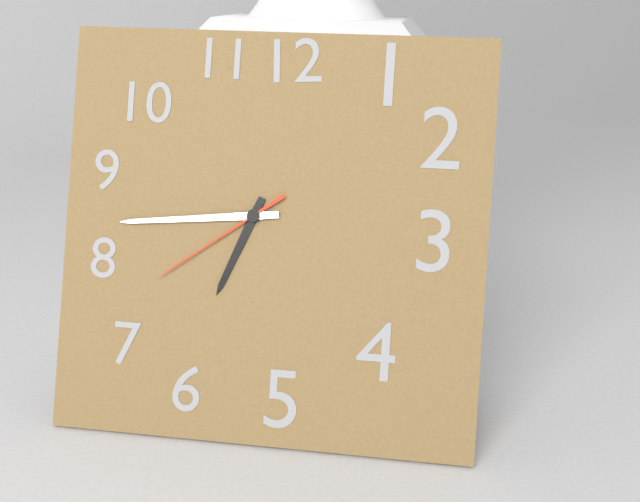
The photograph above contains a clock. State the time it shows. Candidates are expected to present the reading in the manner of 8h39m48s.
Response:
6h44m39s
